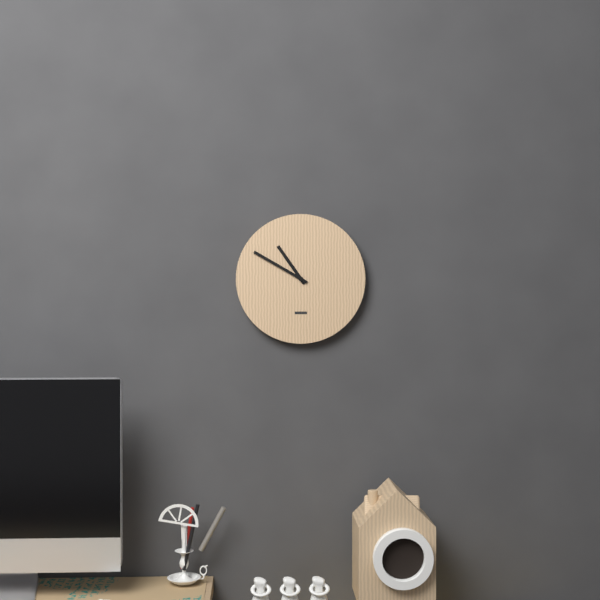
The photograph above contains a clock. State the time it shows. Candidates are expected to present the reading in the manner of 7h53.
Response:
10h50
